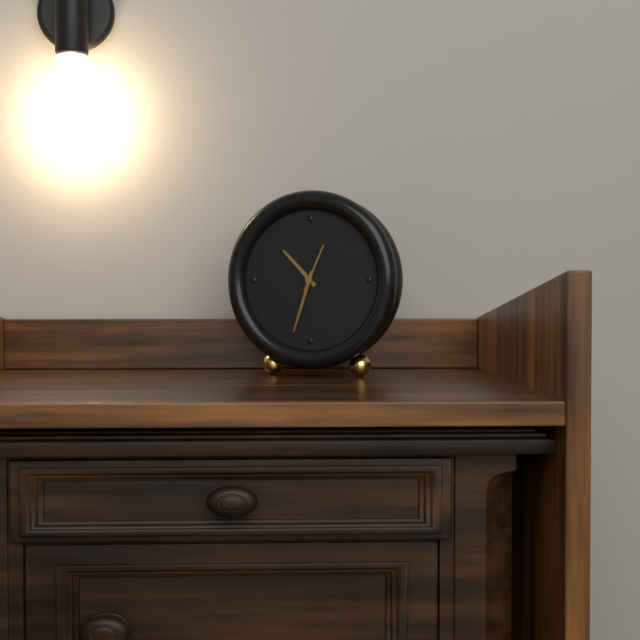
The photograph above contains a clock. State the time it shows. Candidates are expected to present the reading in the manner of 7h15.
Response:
10h33
